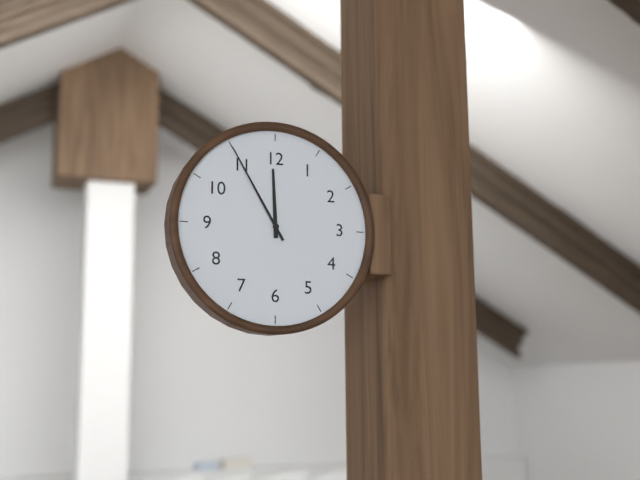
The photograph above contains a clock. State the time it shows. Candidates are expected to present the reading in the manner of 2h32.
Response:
11h55
